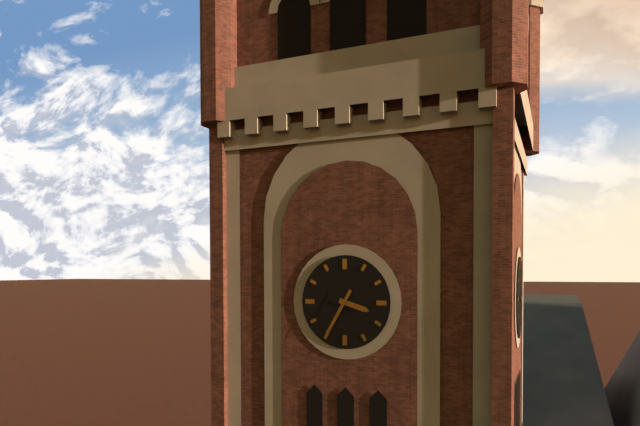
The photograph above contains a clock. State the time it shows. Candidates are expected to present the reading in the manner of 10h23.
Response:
3h35
